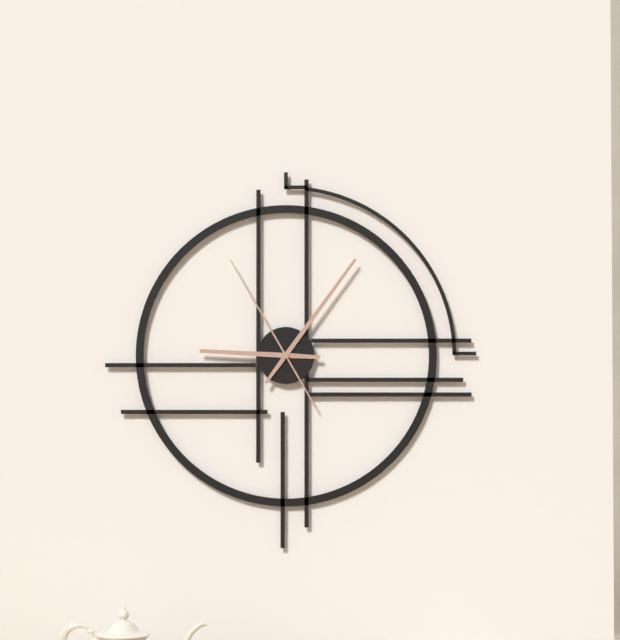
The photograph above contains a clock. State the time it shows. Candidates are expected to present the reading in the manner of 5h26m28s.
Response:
9h06m55s
